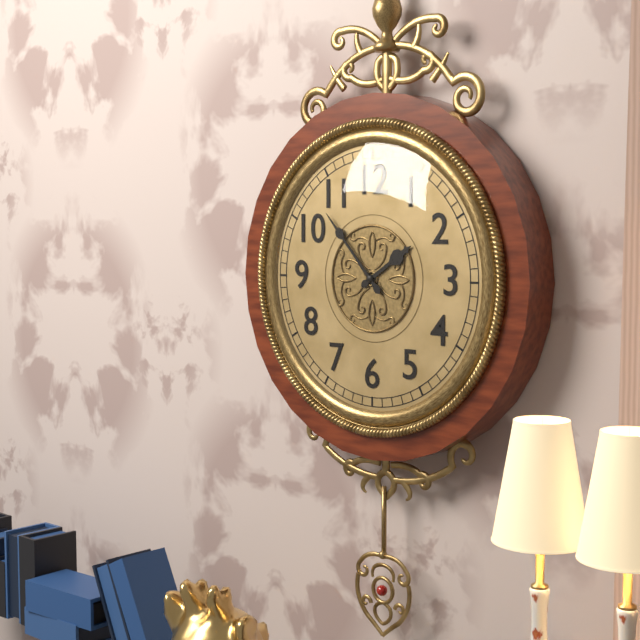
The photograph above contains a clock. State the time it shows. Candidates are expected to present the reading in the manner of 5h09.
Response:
1h53
